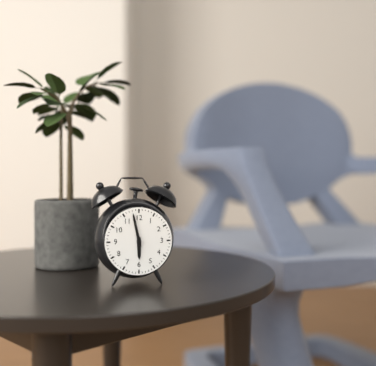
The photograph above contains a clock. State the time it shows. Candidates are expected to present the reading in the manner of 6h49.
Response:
5h58
